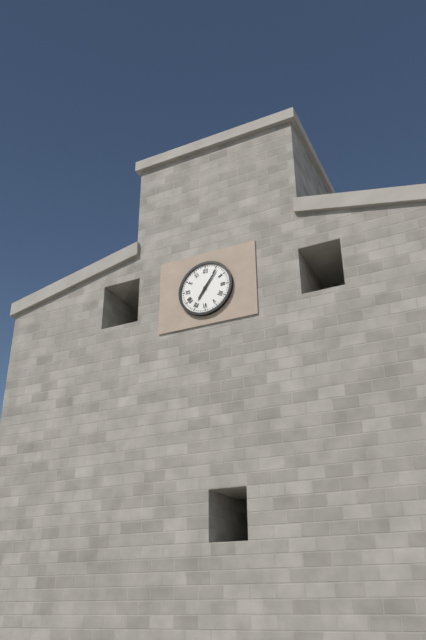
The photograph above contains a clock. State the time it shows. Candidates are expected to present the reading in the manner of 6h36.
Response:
7h06
